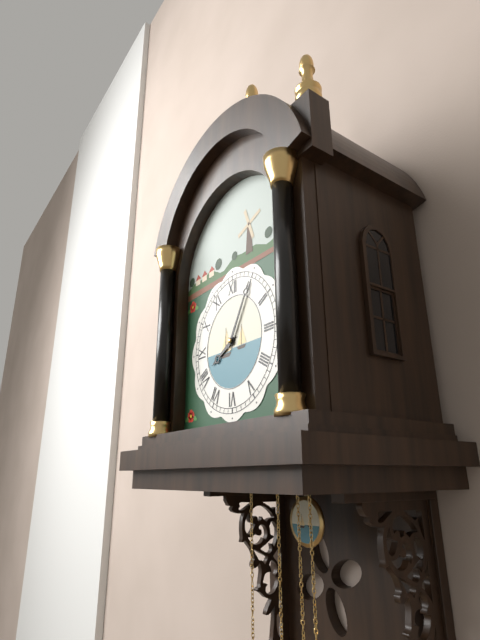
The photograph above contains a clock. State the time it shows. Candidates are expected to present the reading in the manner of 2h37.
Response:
8h05
